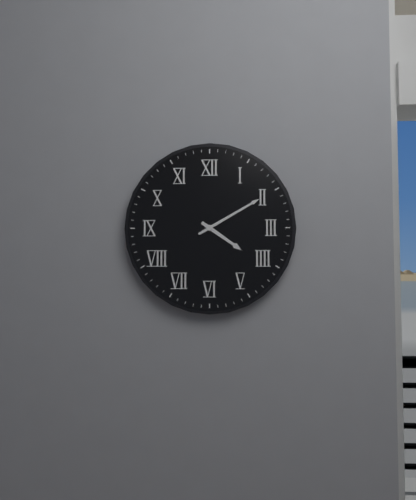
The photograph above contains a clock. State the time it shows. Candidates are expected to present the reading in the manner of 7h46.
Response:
4h10
